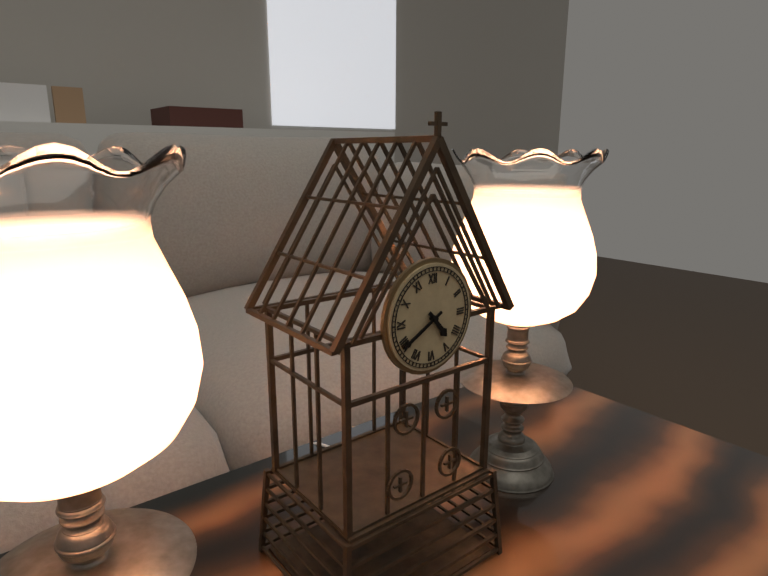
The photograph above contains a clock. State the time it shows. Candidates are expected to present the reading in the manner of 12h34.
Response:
4h40
